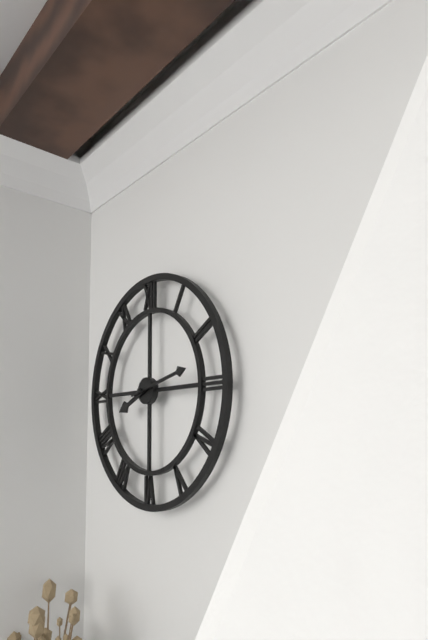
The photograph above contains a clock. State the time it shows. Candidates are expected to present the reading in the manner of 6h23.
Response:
8h13
